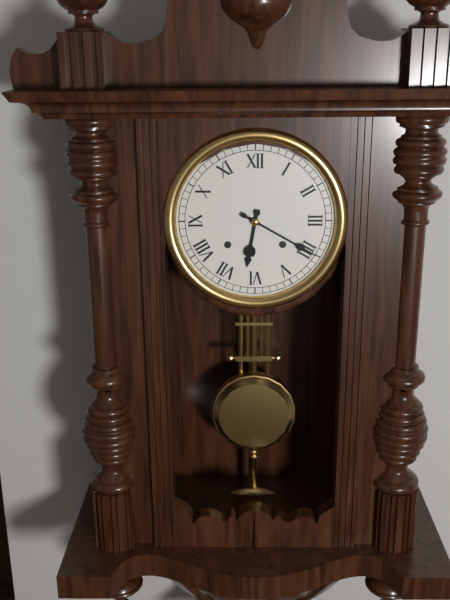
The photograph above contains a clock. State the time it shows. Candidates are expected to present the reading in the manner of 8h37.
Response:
6h20
